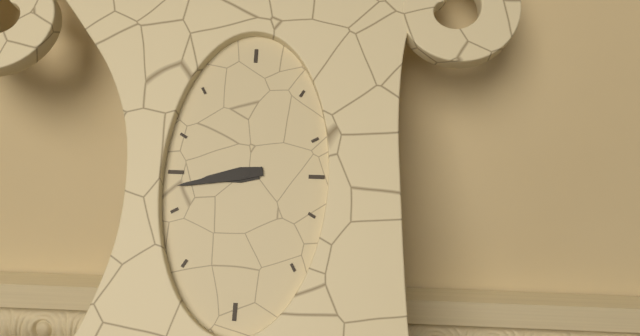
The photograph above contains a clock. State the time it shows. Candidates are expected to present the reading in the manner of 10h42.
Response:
8h43
